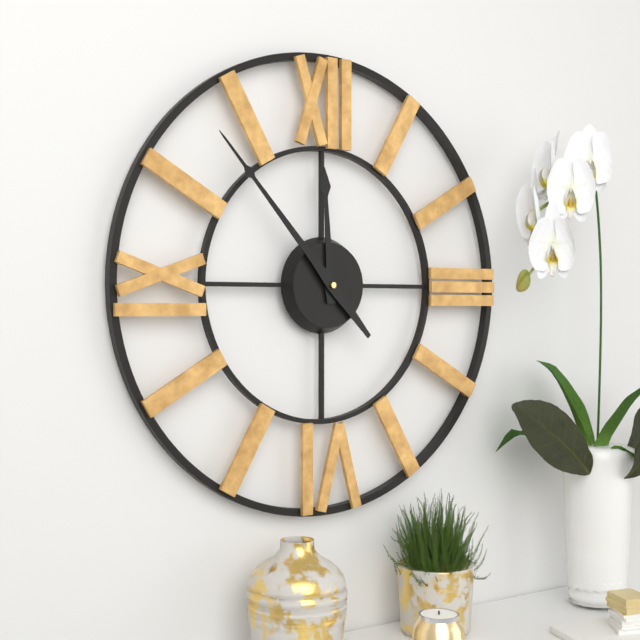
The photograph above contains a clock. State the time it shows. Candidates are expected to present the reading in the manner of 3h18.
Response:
11h53
